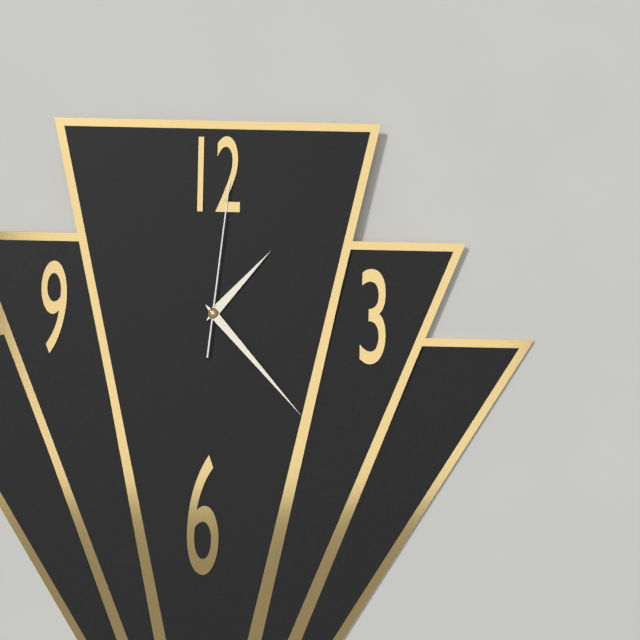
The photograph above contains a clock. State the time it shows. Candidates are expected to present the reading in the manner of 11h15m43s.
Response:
1h23m01s
